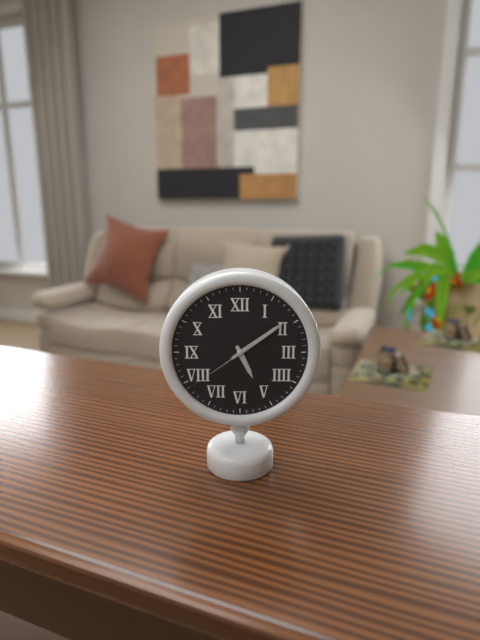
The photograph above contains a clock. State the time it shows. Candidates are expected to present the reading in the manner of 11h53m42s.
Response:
5h09m39s
